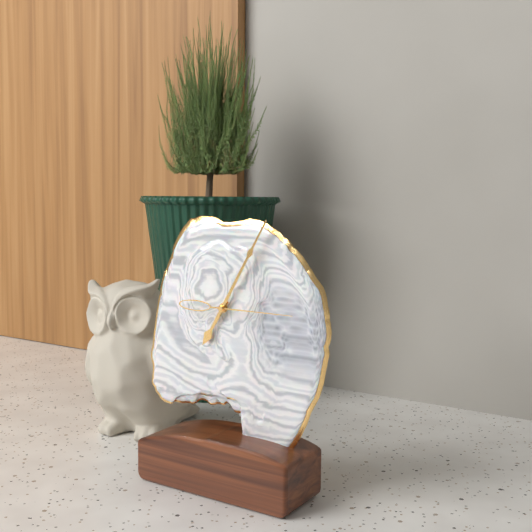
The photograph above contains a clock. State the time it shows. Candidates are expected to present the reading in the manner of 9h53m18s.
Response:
7h05m15s
